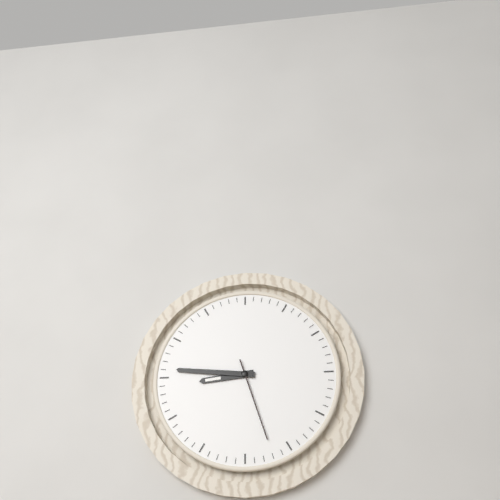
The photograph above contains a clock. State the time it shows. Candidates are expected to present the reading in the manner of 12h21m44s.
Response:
8h46m27s
